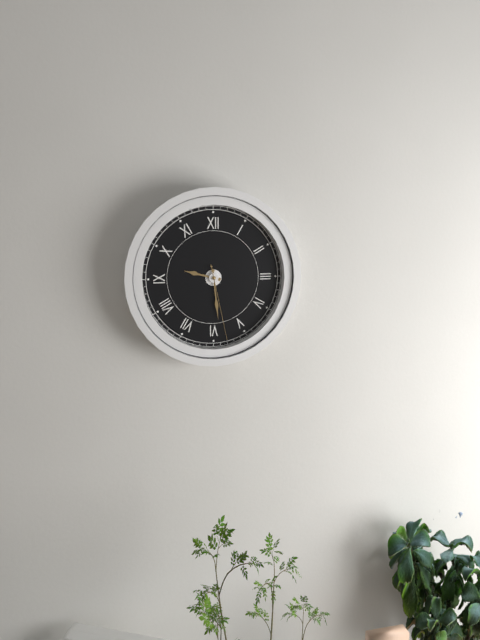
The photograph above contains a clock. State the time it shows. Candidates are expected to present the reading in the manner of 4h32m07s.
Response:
9h29m28s
